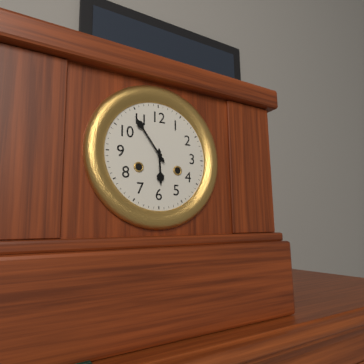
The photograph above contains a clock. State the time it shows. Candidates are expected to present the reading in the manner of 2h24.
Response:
5h54
